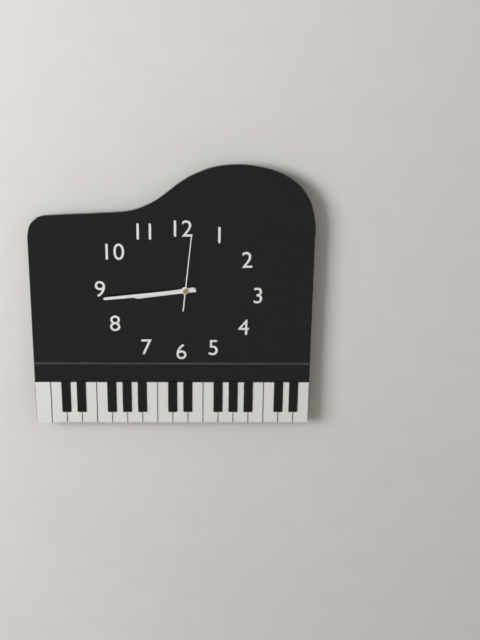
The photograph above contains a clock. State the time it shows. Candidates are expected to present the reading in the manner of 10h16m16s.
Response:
8h44m01s
